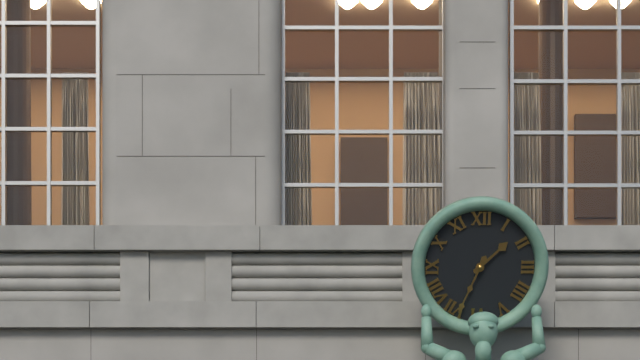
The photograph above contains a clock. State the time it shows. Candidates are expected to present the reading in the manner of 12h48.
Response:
1h34
